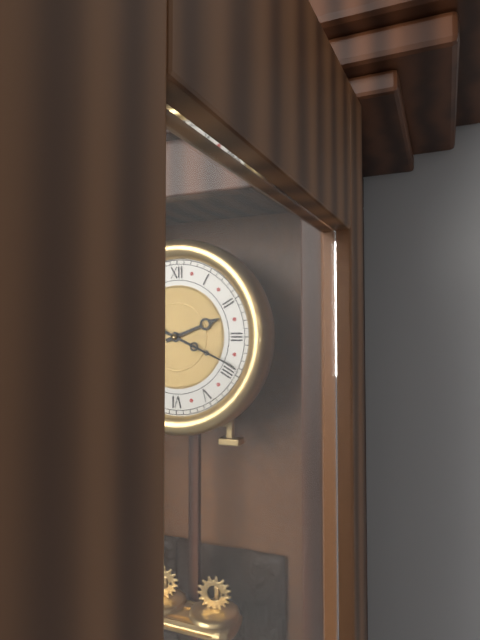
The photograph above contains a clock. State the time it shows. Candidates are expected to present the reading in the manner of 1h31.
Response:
2h19
